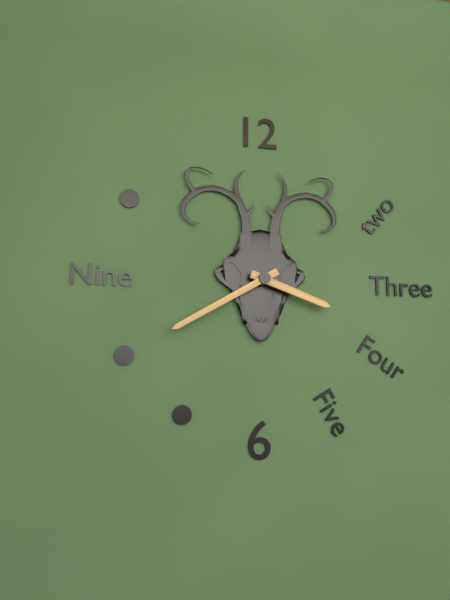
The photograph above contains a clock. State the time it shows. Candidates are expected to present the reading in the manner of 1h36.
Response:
3h40
